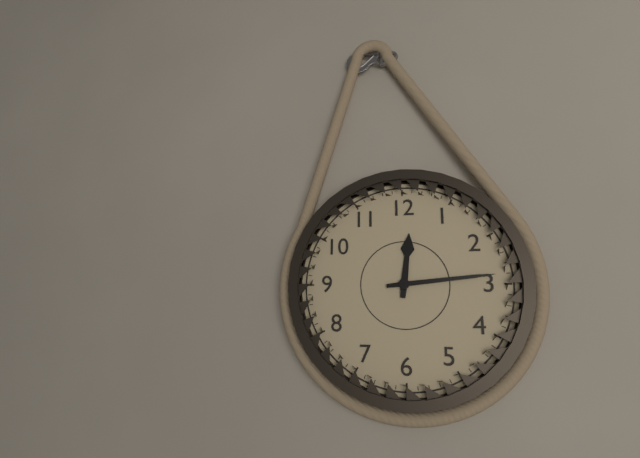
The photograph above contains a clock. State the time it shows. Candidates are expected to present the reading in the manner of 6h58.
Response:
12h14
